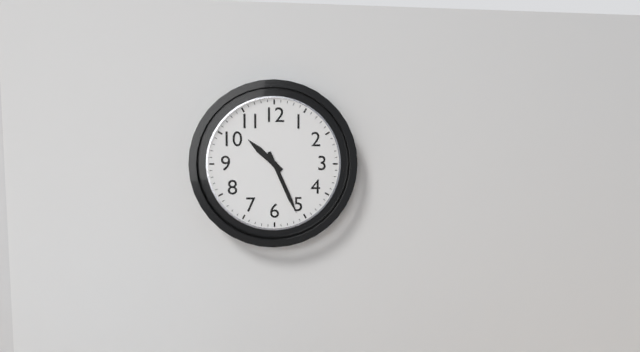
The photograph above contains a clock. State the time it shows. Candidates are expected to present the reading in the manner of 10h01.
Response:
10h26
